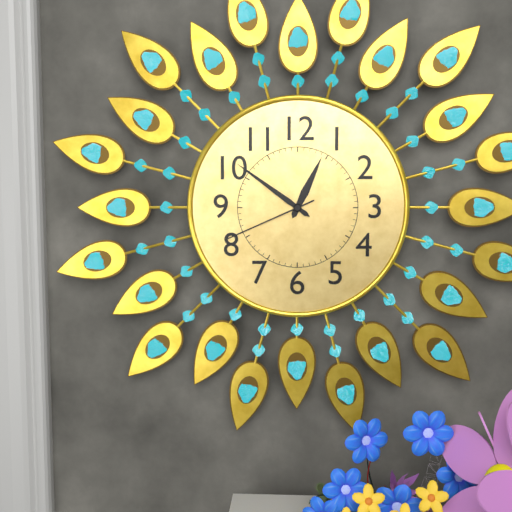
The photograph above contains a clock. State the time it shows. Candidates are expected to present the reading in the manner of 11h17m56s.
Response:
12h51m41s
